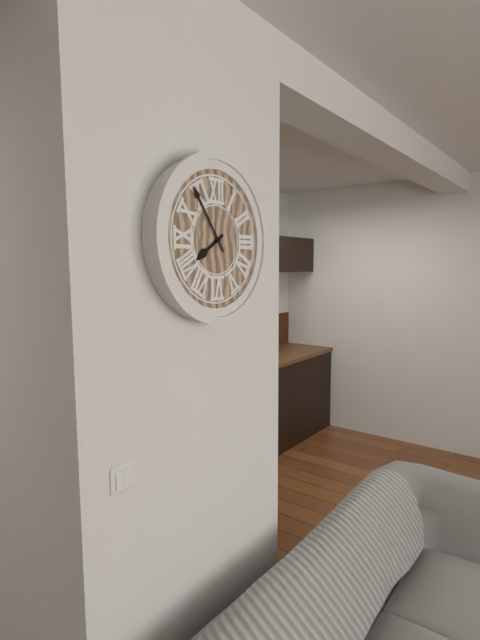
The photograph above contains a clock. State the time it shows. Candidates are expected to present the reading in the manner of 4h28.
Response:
7h54
